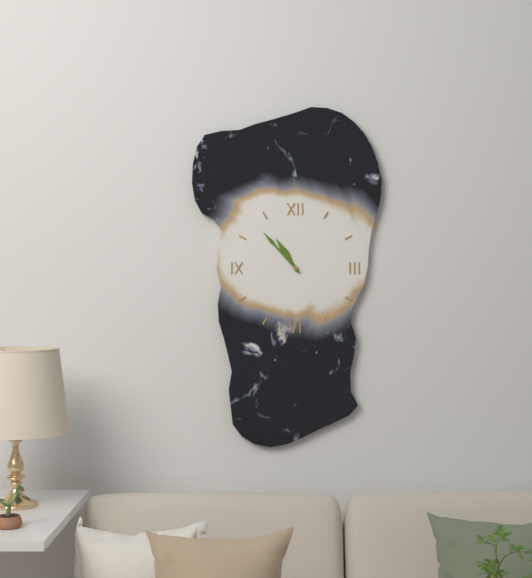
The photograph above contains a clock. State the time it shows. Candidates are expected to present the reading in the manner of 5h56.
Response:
10h53
